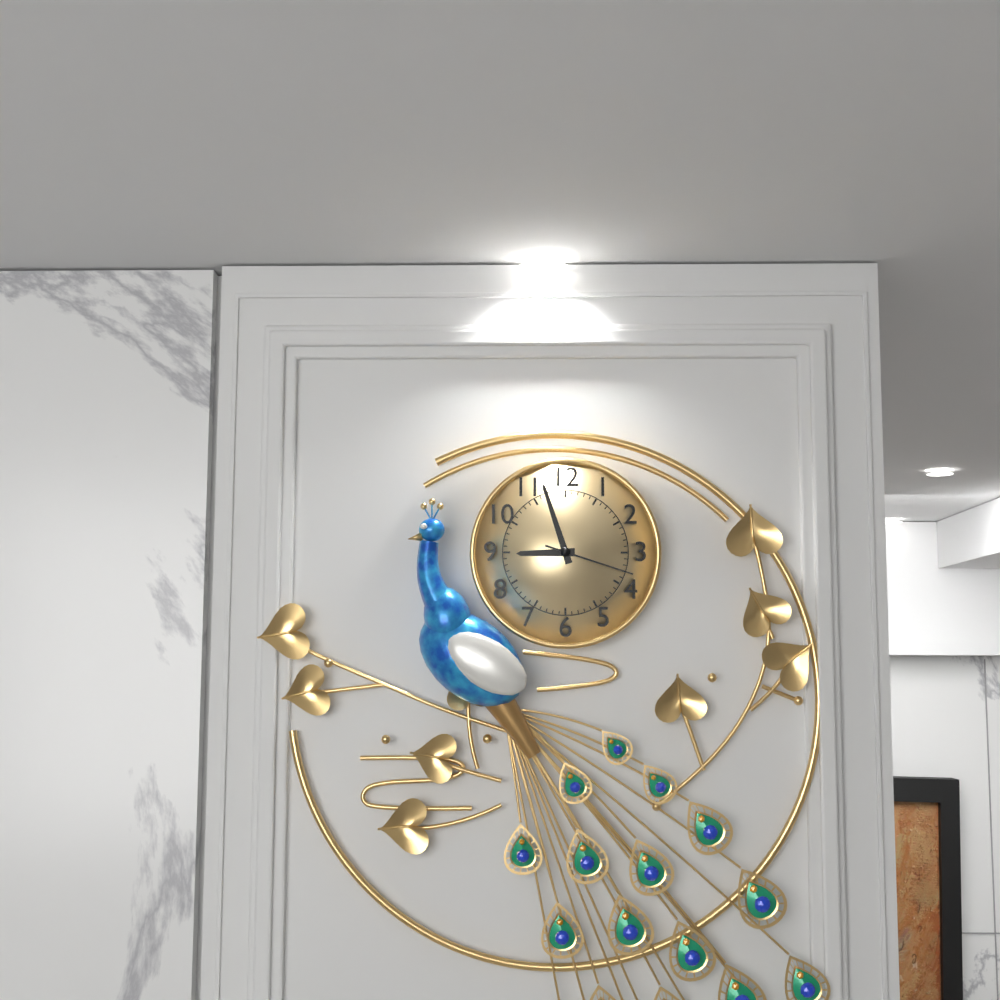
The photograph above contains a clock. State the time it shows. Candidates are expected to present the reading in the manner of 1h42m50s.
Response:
8h57m18s
